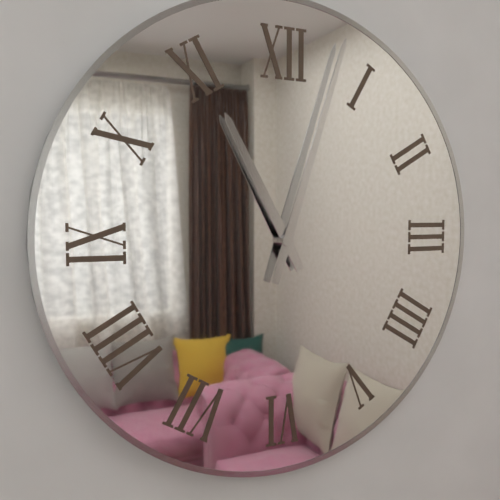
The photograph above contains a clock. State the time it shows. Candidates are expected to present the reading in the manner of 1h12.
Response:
11h03
